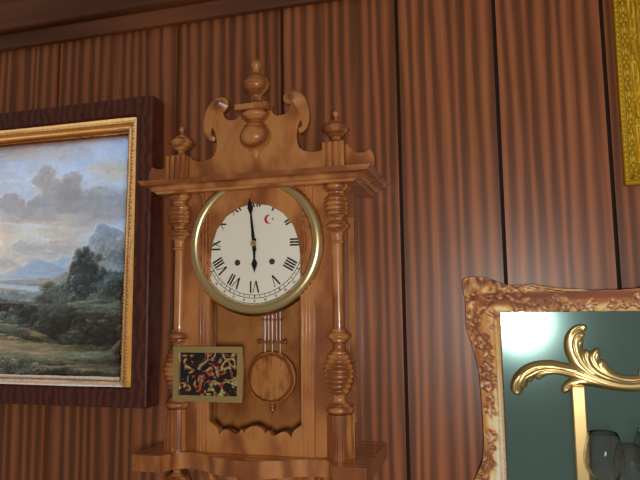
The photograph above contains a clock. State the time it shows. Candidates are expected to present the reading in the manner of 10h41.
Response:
5h59
